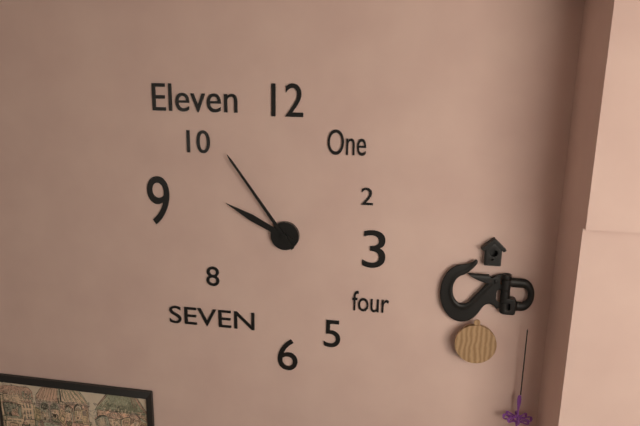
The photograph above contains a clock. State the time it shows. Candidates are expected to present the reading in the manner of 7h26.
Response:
9h54
